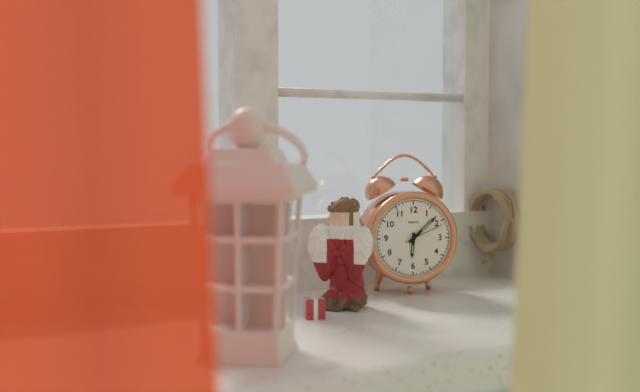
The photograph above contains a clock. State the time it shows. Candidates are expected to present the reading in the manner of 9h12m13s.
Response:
6h08m11s
